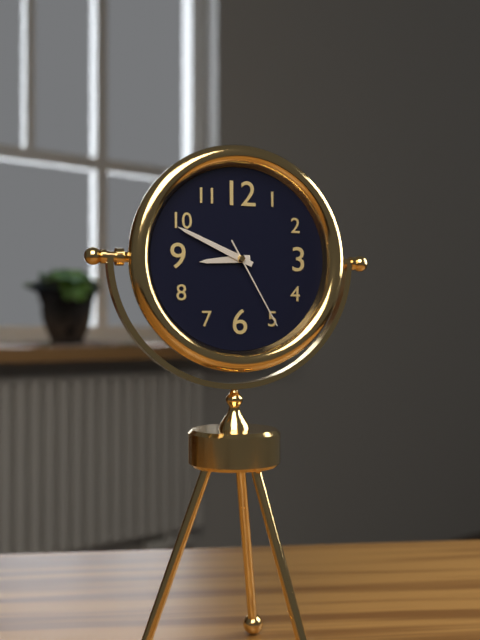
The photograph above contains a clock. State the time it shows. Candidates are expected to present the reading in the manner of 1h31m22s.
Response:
8h49m25s
